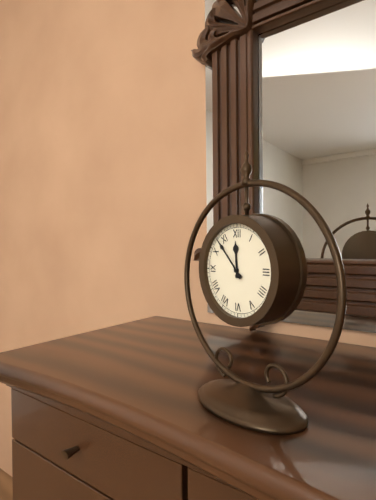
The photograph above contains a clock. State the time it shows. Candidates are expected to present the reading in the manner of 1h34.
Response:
11h53
